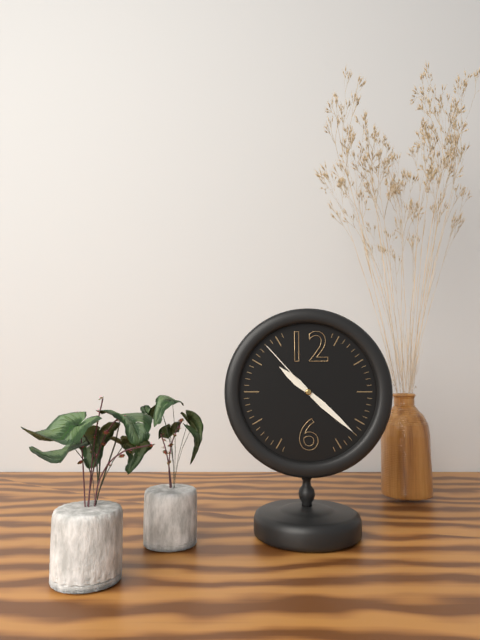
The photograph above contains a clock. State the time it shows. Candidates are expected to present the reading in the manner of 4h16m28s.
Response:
10h22m53s
